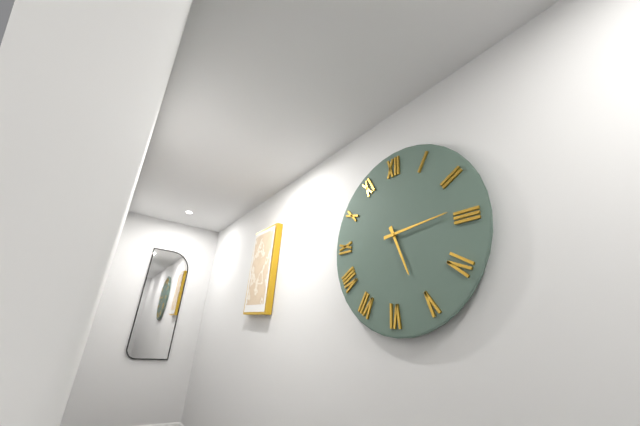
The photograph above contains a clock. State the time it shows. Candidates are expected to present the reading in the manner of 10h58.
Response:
5h14
